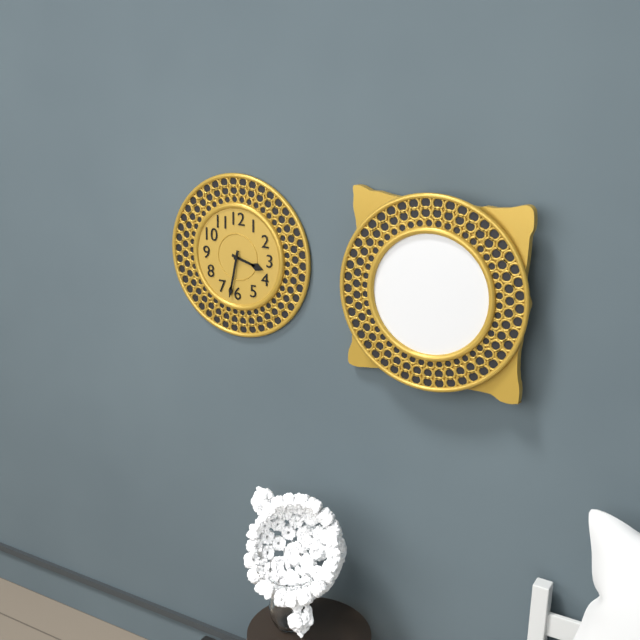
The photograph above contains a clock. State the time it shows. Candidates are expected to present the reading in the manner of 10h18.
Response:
3h32
